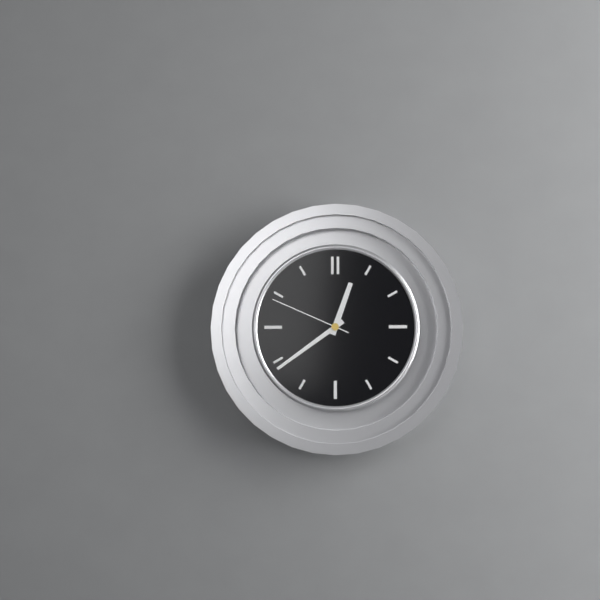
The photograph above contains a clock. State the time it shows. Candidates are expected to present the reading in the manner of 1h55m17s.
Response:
12h39m49s
